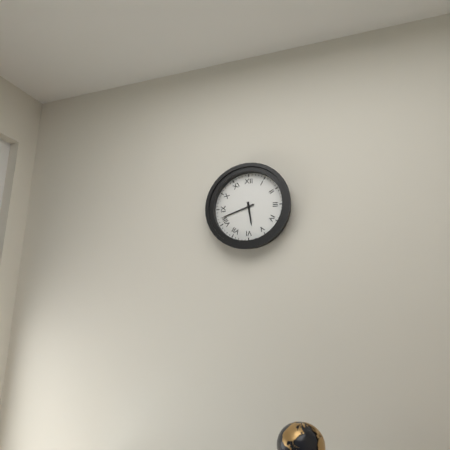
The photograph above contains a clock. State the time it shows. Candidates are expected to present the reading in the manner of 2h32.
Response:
5h42
